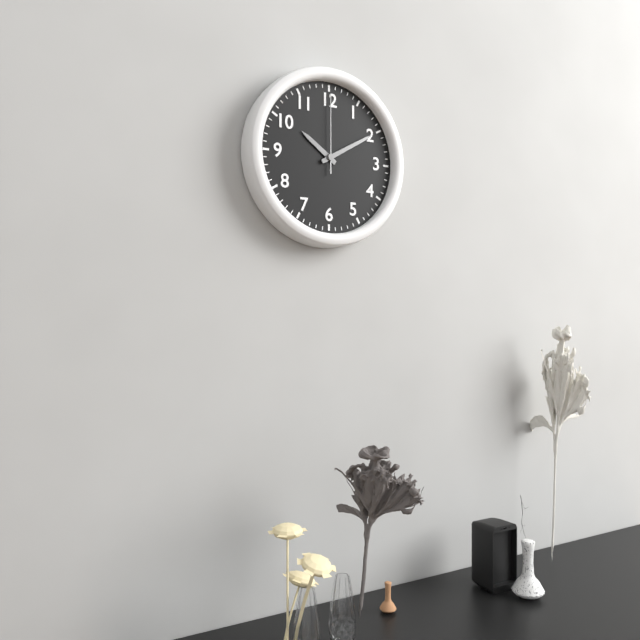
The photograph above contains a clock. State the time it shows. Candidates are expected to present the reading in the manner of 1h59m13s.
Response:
10h10m00s
